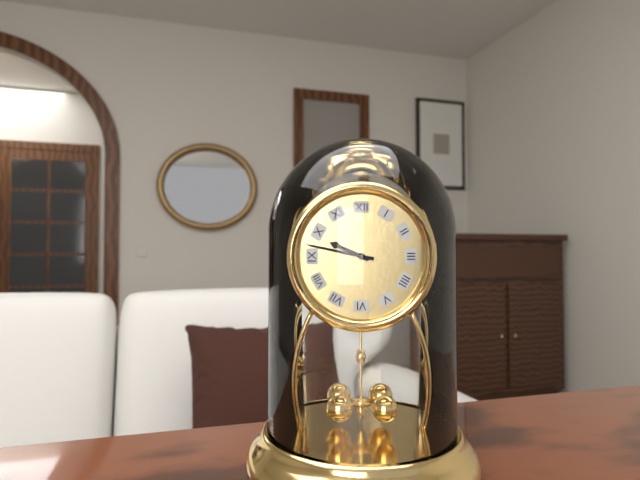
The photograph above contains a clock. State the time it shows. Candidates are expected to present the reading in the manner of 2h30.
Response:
9h47
